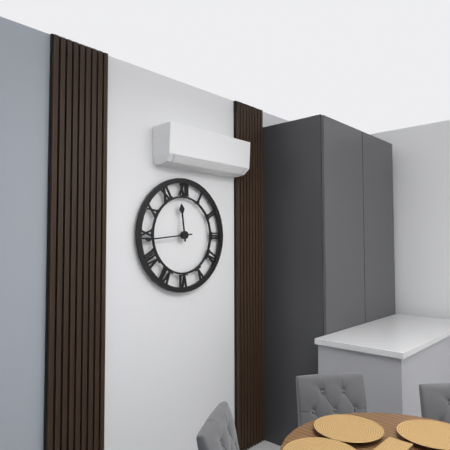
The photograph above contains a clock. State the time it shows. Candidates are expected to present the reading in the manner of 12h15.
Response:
11h44
